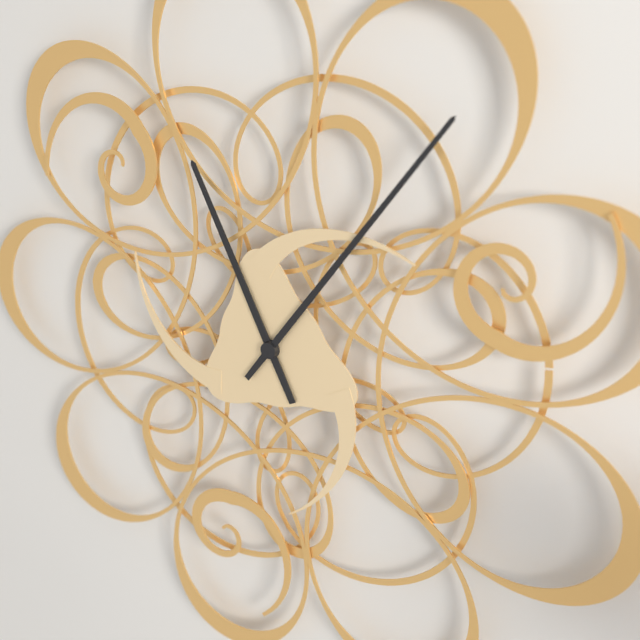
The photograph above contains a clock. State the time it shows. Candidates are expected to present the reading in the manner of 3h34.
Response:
11h06
